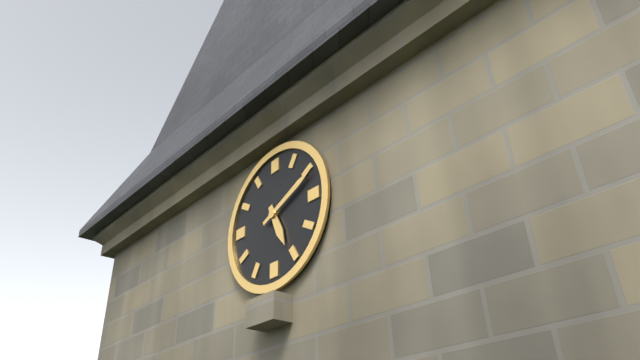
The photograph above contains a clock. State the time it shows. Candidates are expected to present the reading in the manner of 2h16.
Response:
5h11
